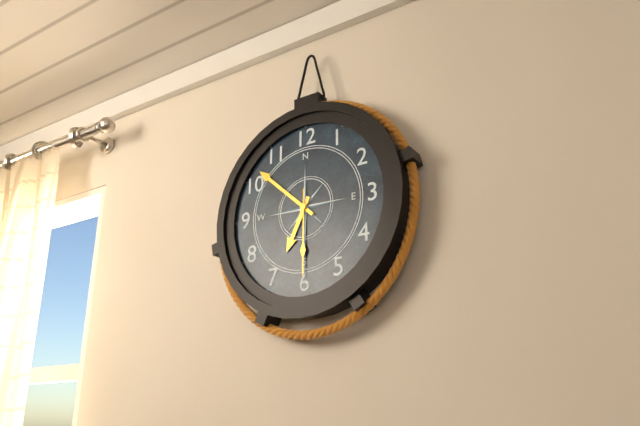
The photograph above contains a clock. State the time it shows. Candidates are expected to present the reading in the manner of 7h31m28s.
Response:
6h52m30s
